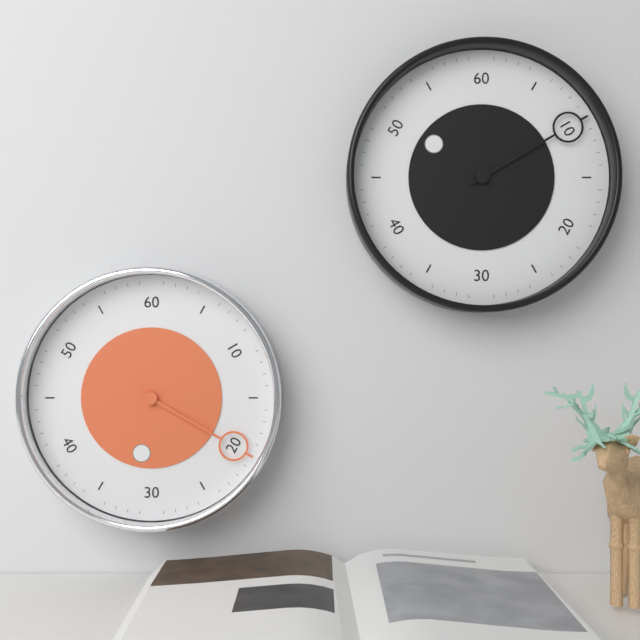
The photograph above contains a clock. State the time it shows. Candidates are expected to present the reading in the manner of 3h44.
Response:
6h20
